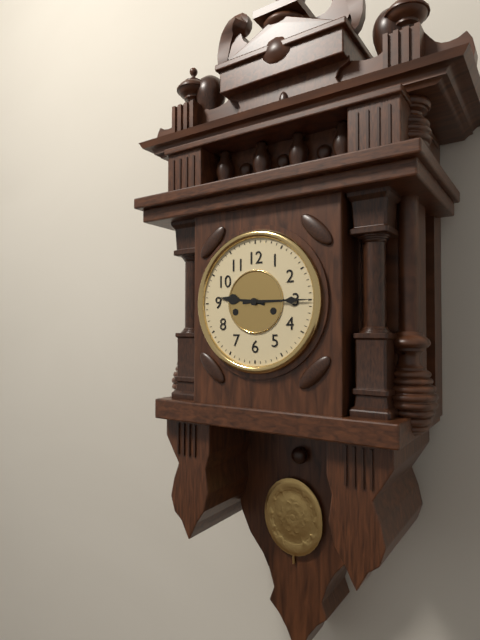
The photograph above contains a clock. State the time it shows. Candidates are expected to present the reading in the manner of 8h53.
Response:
9h15
